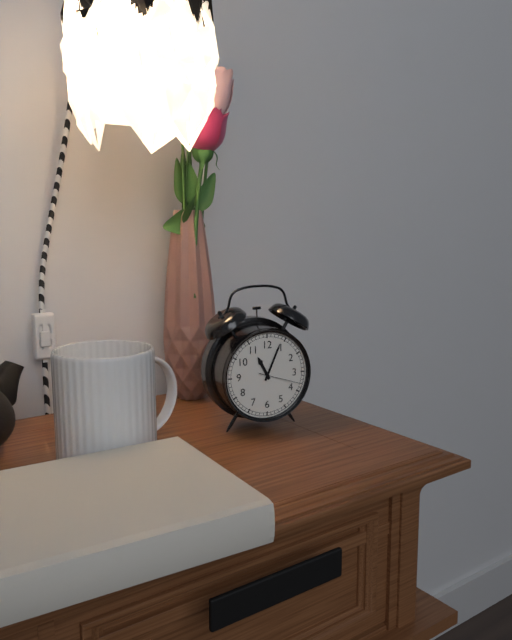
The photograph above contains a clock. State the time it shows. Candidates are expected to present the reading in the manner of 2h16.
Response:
11h04
